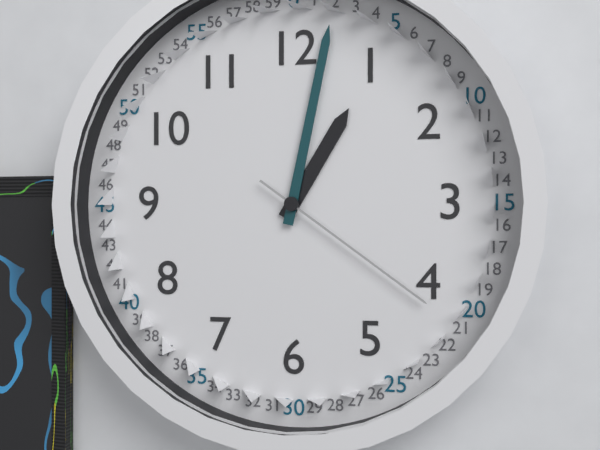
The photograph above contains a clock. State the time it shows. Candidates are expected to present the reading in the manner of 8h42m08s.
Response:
1h02m21s
